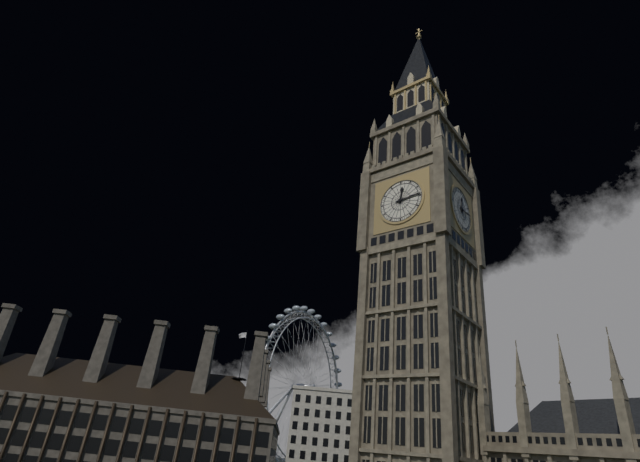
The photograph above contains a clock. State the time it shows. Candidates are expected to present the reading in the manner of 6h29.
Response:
12h14
